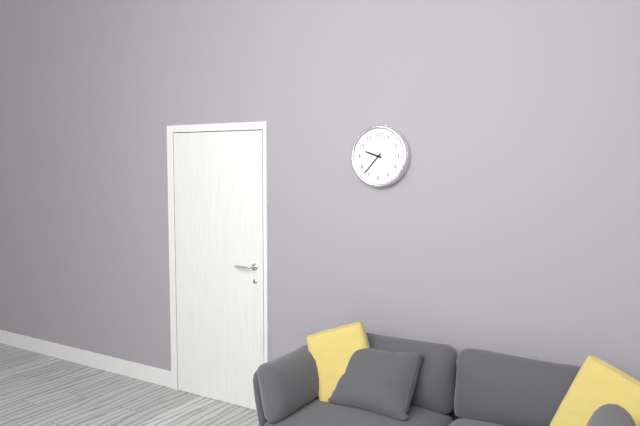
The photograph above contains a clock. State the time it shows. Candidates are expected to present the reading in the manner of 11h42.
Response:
9h37
